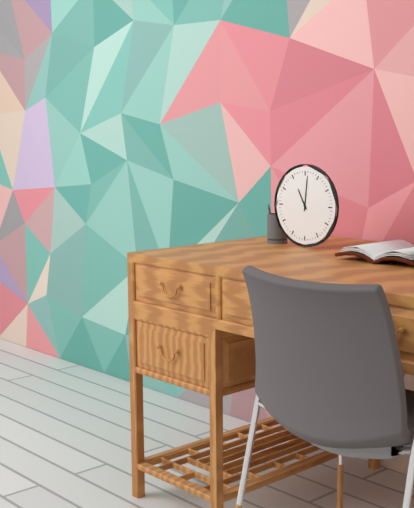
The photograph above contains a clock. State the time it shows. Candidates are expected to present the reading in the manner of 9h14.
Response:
11h01
